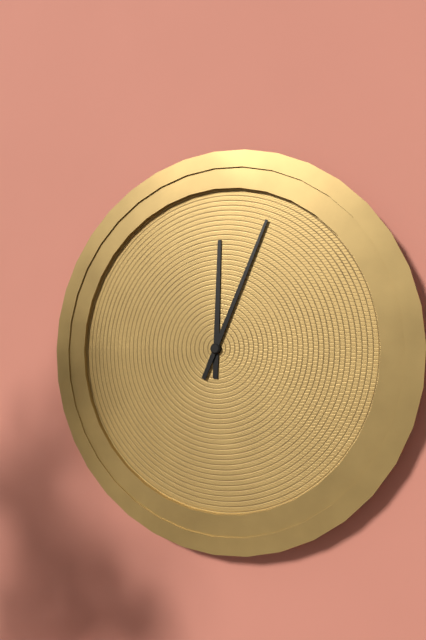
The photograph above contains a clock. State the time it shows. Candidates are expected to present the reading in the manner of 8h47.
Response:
12h04
